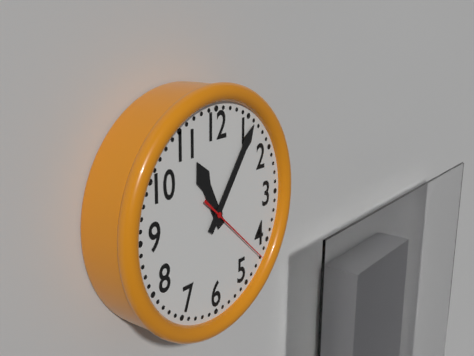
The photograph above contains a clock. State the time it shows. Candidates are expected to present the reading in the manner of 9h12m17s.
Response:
11h06m22s
